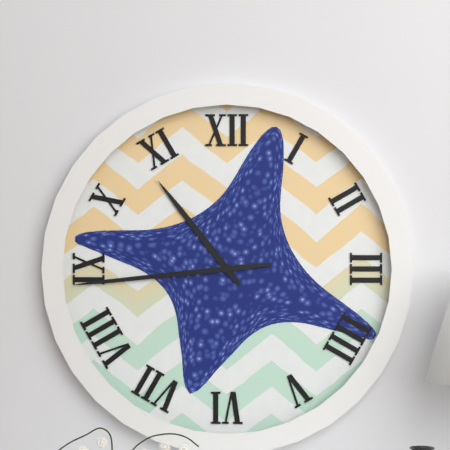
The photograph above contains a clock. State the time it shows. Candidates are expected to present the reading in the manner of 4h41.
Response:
10h44
